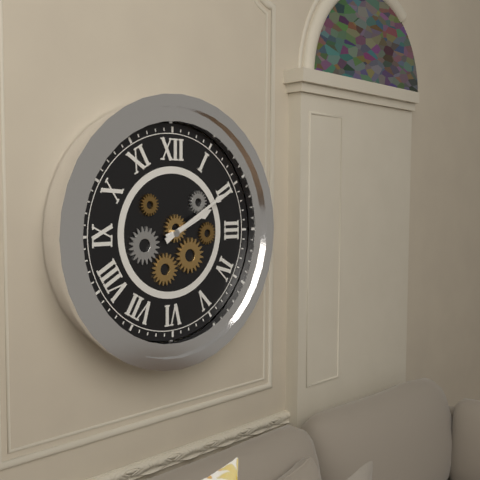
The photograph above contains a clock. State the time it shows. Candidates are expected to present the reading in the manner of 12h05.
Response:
2h10
